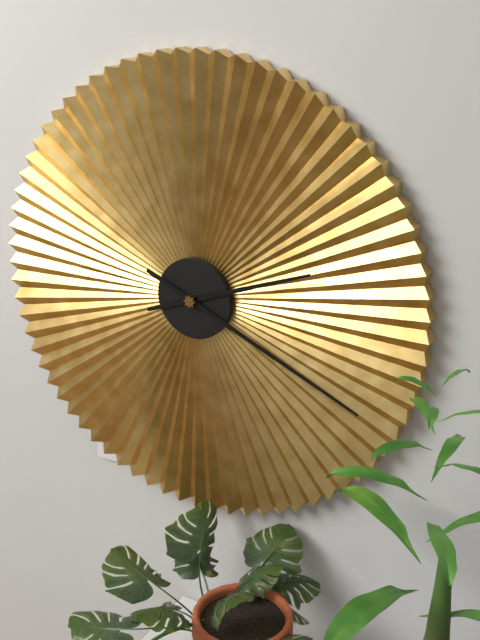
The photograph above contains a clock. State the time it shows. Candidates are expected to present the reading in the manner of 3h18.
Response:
2h19
